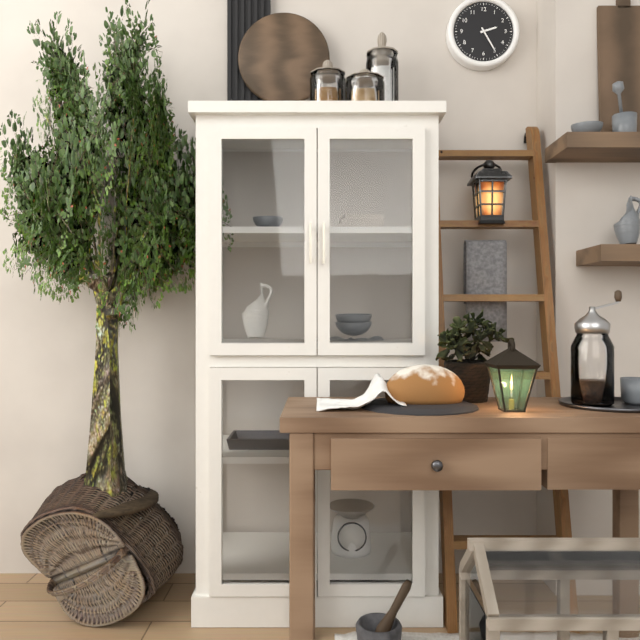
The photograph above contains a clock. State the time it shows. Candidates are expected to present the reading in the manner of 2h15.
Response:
2h25
